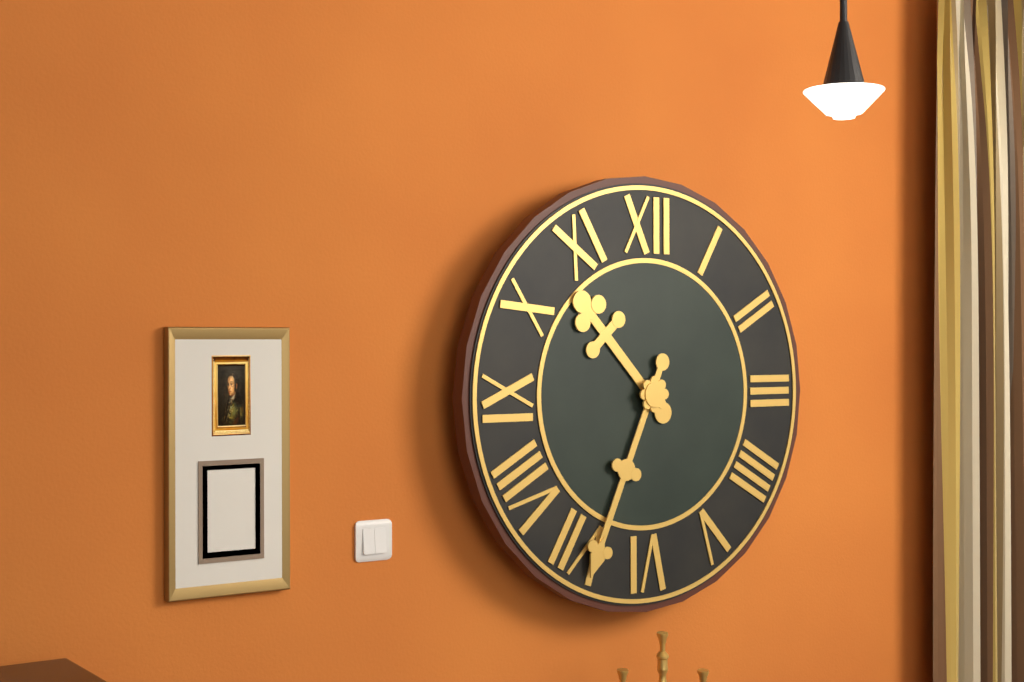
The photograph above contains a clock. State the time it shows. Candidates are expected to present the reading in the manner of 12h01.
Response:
10h34
